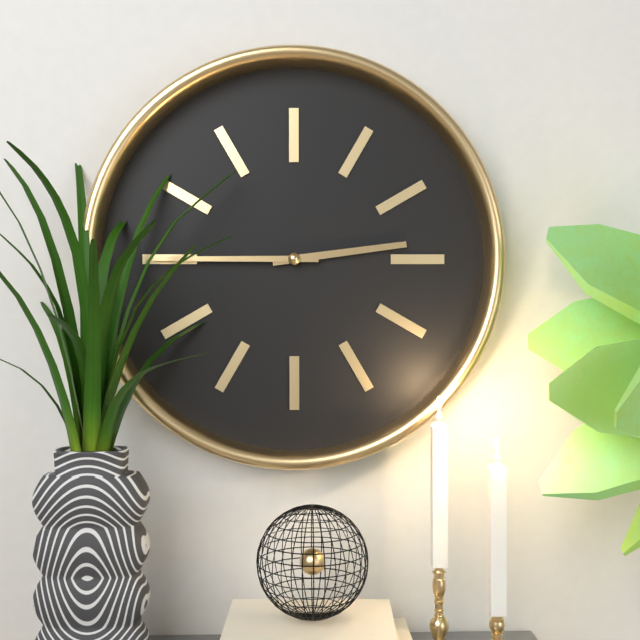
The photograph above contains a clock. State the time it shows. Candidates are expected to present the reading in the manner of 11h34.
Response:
2h45
